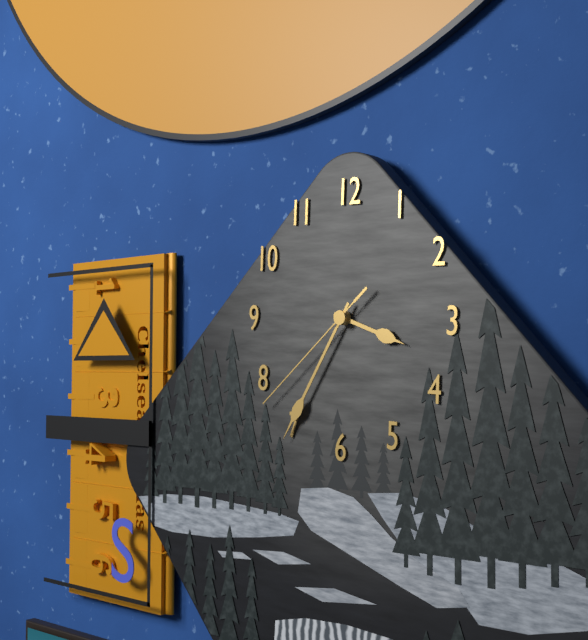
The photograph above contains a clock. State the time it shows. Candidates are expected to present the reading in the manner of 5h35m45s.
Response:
3h35m38s
